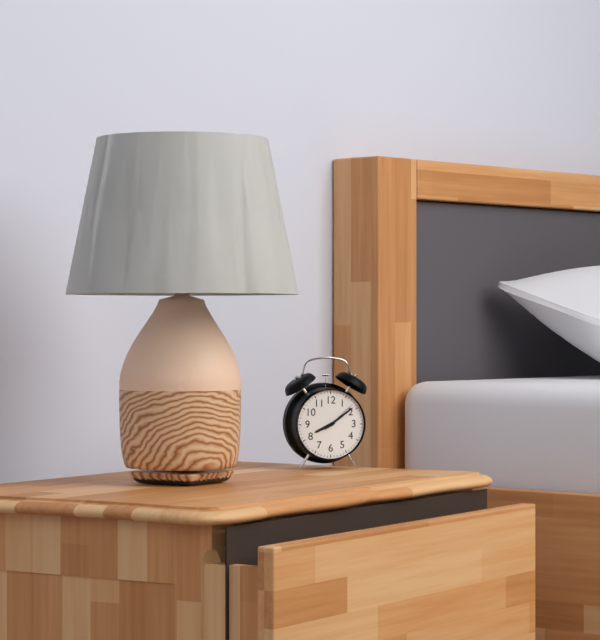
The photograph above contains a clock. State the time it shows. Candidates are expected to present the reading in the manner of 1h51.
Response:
8h09
